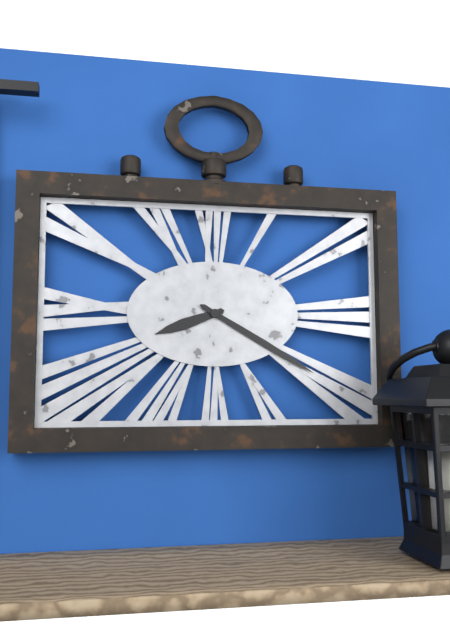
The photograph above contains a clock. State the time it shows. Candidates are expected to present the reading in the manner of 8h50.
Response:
8h20
